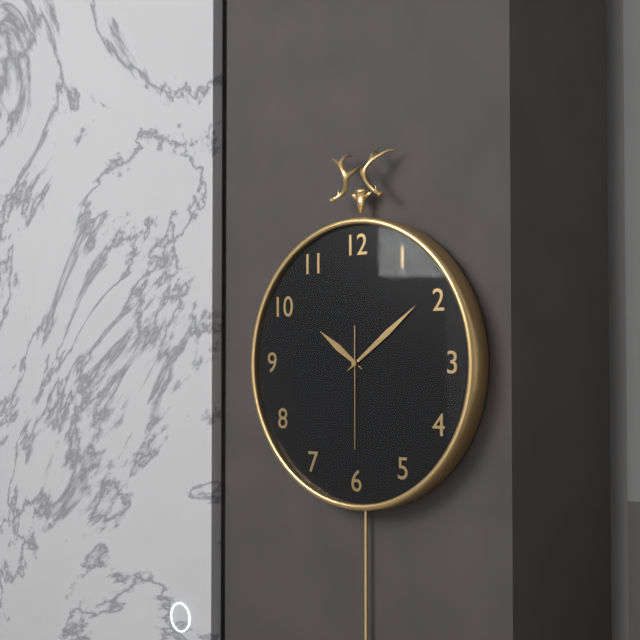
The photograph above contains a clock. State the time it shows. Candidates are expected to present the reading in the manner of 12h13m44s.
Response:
10h09m30s
